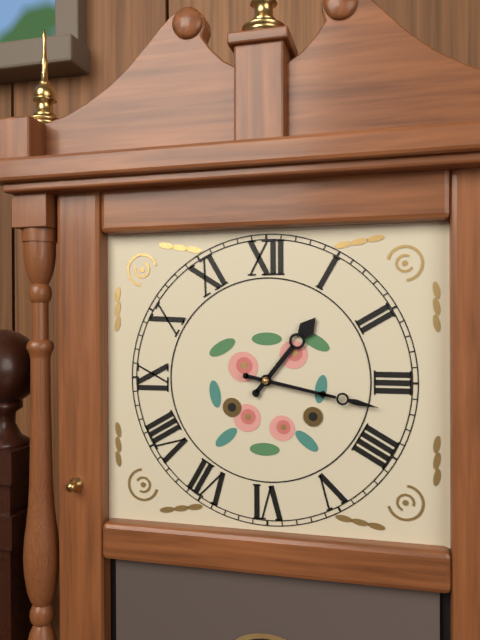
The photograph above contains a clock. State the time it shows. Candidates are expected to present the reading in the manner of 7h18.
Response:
1h17
